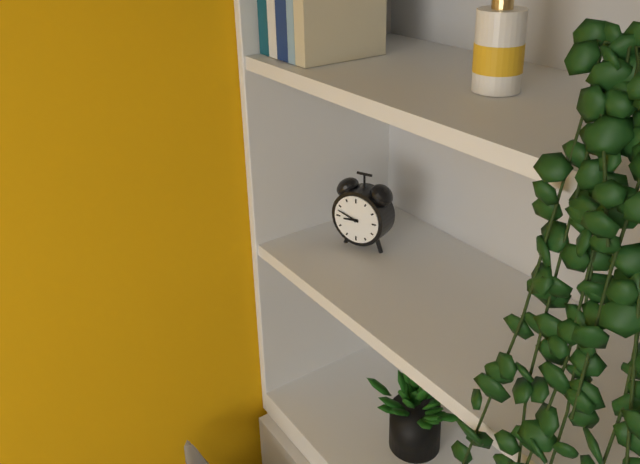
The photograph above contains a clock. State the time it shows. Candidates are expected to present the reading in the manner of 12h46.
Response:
8h48
